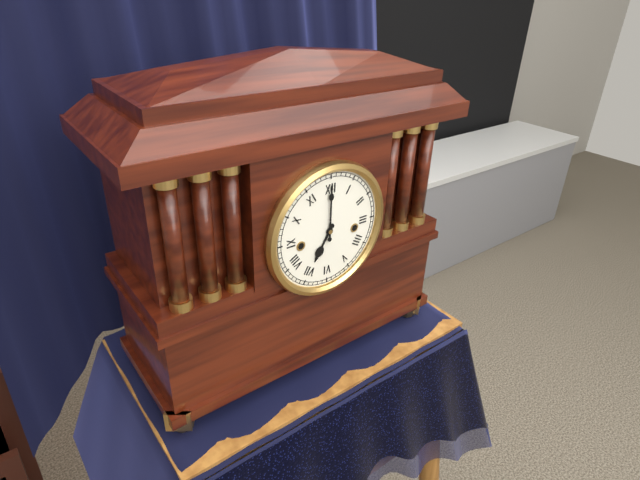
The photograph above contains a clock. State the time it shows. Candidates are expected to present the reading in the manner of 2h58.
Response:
7h00
